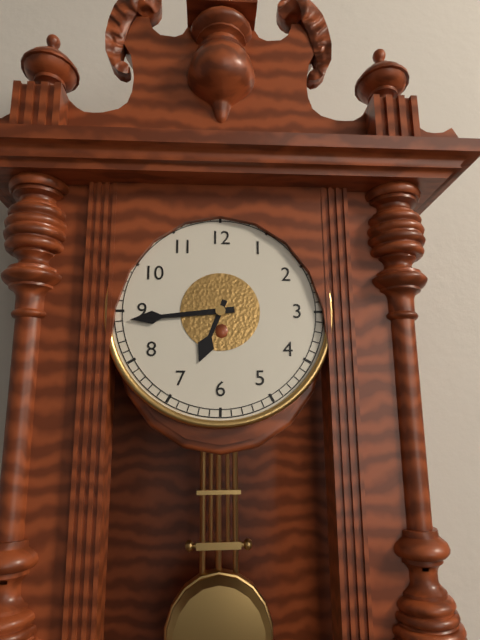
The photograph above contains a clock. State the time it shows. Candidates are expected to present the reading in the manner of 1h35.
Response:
6h44
